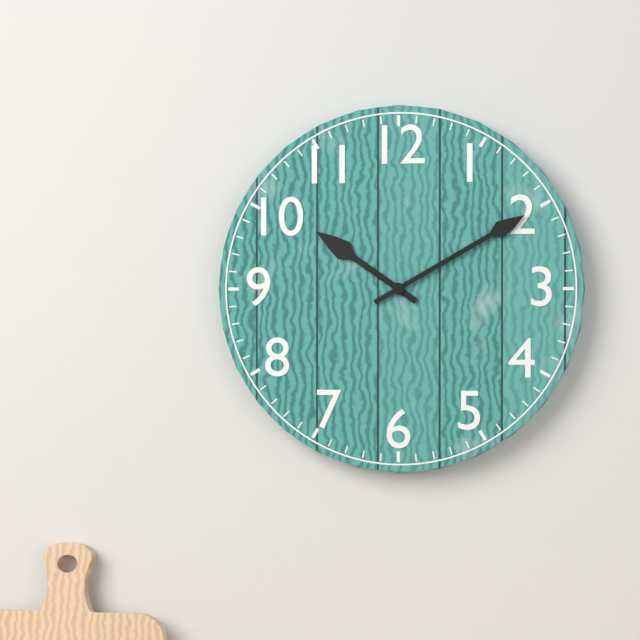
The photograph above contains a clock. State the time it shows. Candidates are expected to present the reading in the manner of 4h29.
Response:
10h10
